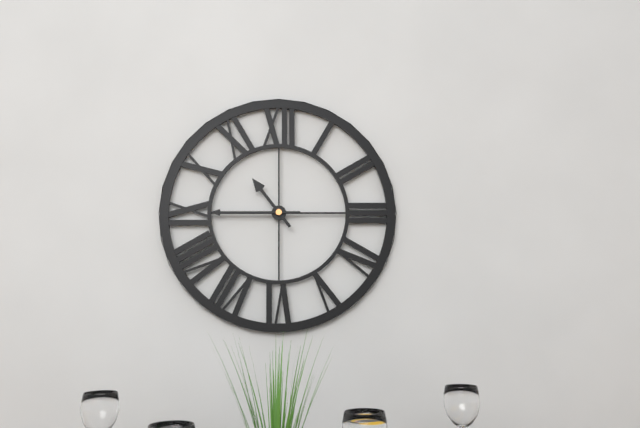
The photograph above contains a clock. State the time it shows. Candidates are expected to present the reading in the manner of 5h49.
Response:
10h45
